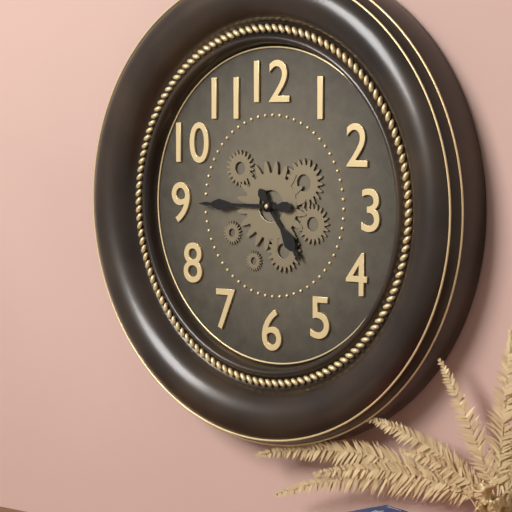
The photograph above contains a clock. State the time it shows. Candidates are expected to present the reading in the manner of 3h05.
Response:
4h45
